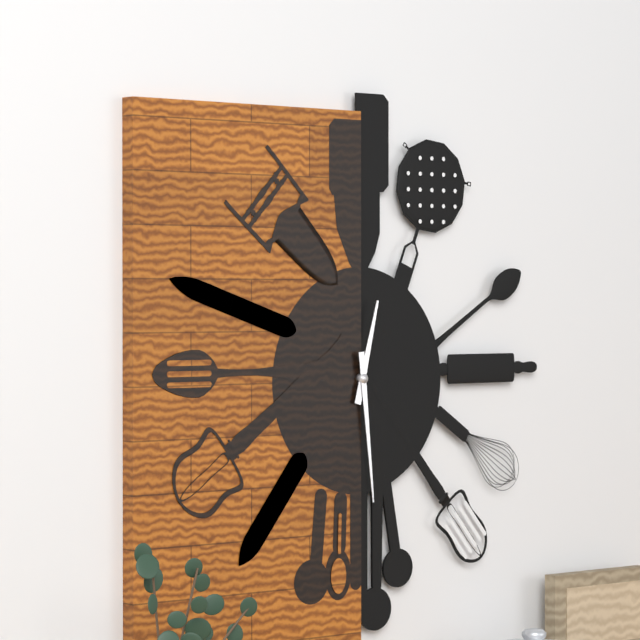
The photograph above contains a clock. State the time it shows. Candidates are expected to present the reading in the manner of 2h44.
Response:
12h29
